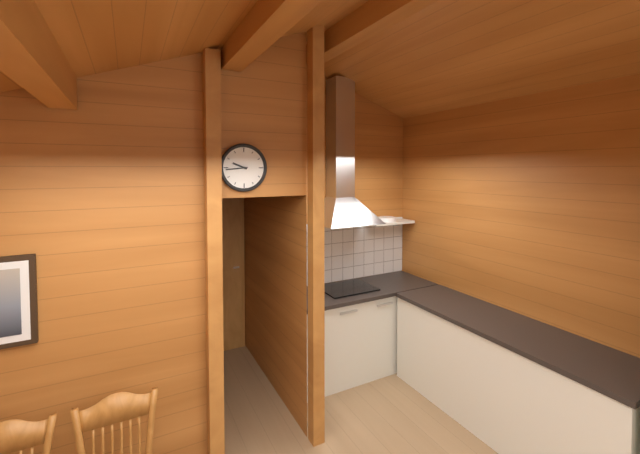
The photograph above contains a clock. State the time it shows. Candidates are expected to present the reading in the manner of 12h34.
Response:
9h44
